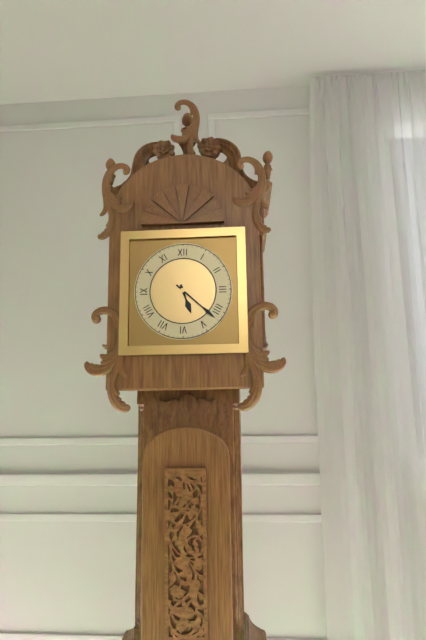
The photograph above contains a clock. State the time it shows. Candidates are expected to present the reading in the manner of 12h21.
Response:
5h22
